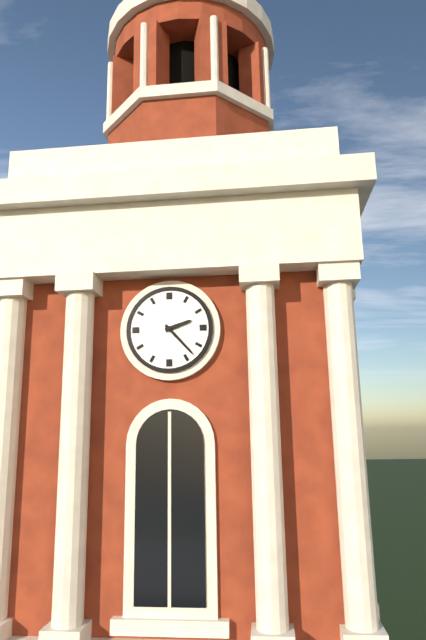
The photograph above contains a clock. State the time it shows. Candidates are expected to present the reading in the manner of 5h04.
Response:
2h23
